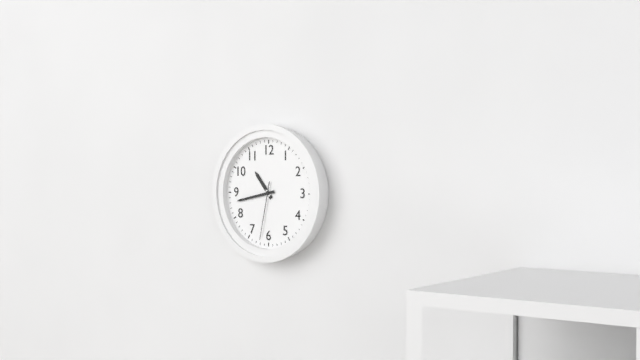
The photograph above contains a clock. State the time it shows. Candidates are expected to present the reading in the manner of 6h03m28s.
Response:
10h43m32s
